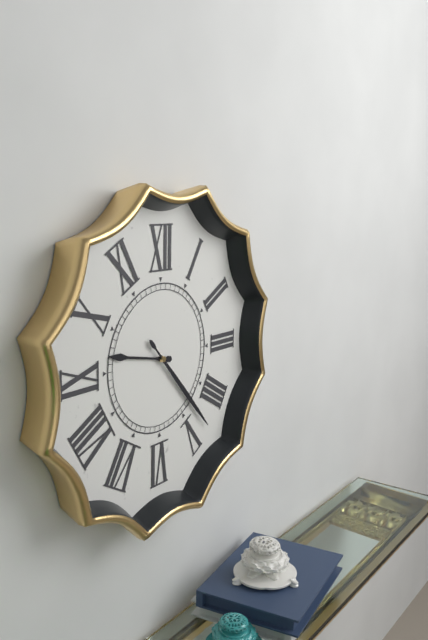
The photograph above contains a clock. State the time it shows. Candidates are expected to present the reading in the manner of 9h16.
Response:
9h23
